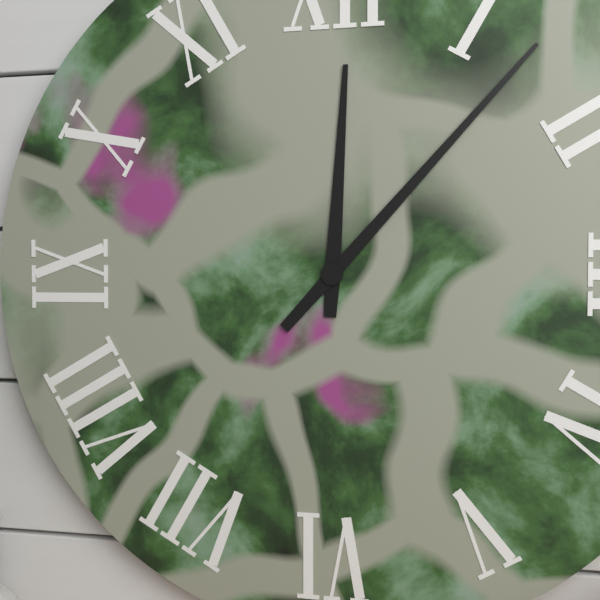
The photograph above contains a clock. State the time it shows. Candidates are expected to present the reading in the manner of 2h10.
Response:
12h07
